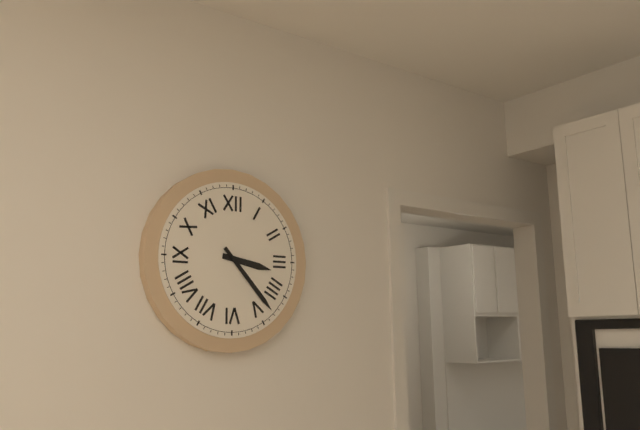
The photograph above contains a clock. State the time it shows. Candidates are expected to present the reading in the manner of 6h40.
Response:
3h23
